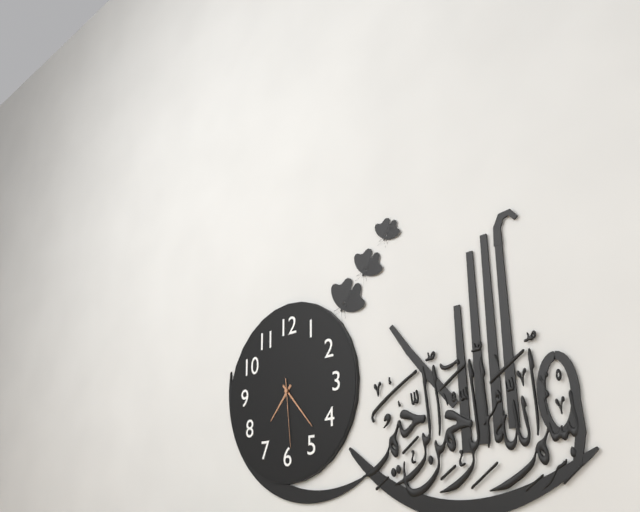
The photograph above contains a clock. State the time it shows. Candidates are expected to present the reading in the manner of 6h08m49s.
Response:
7h23m29s
